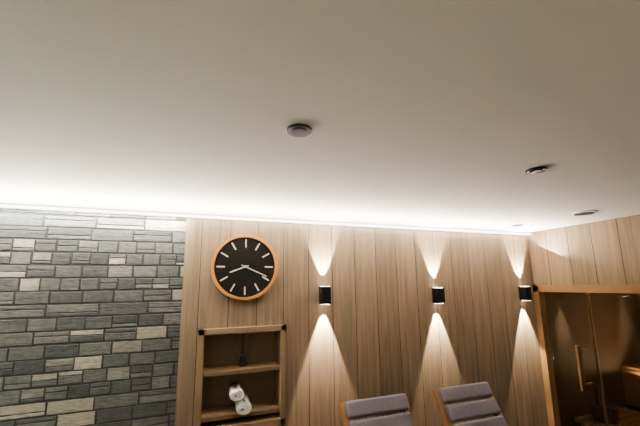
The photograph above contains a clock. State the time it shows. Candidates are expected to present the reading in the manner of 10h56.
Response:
8h19
